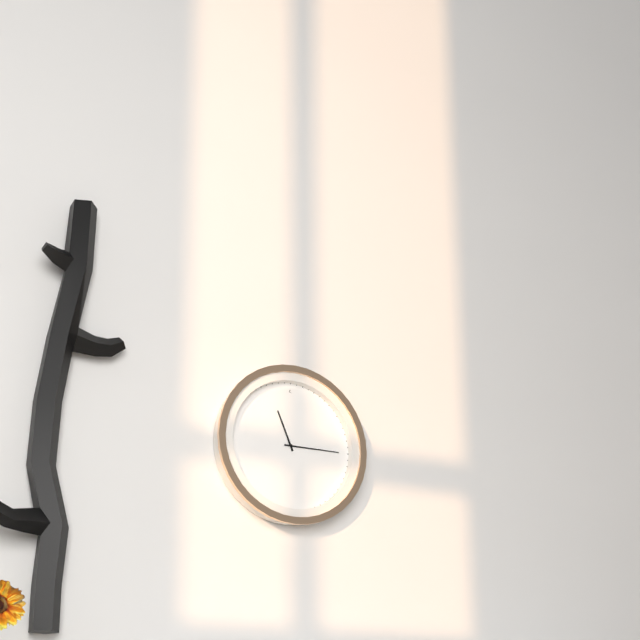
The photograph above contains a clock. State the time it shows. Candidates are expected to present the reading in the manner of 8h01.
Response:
11h15
